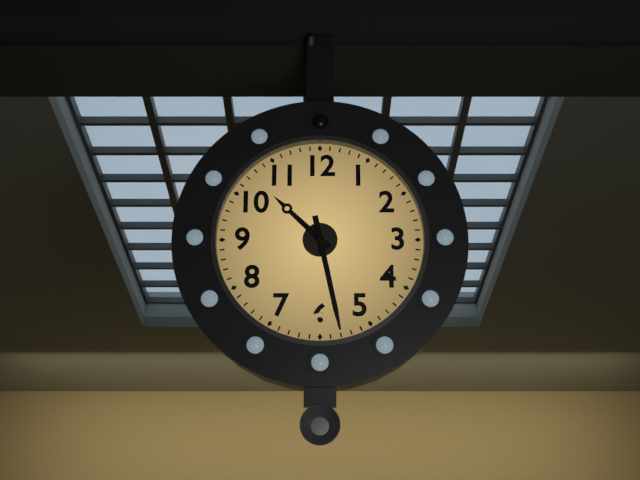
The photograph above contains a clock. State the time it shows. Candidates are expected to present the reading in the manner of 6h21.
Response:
10h28
